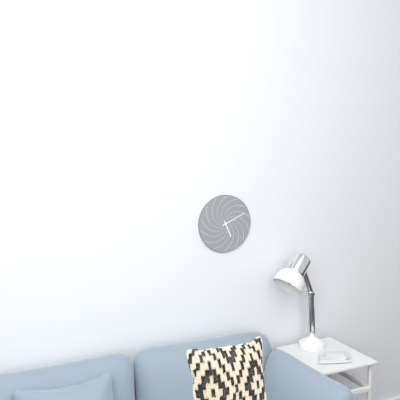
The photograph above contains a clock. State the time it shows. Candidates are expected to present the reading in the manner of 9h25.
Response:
5h11
